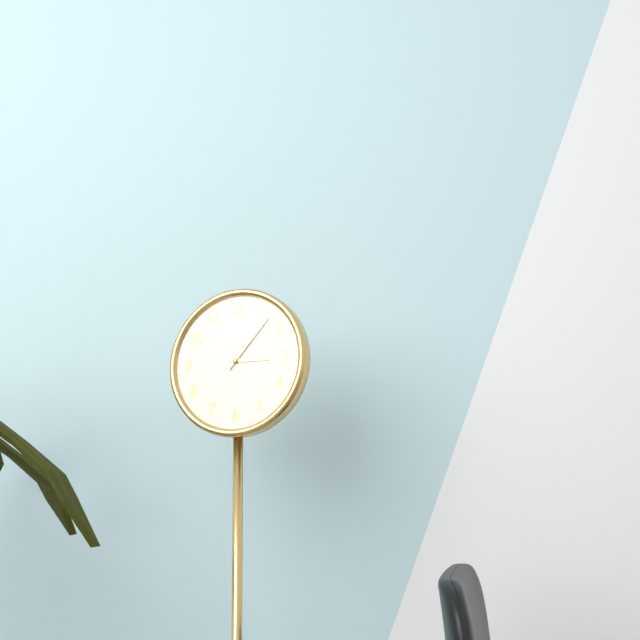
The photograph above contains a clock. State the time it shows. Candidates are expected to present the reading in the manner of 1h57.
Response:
3h07
